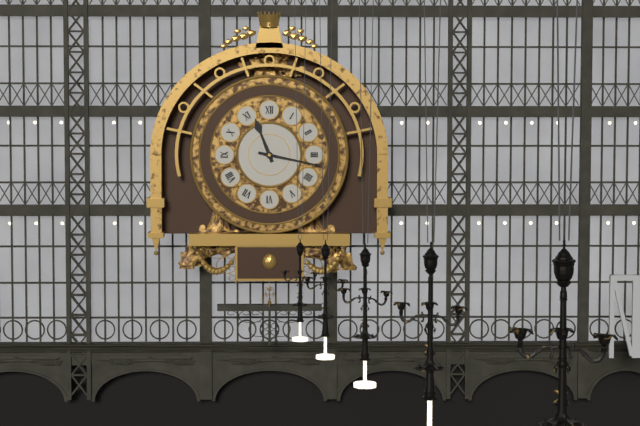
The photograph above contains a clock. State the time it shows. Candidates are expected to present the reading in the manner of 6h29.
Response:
11h17
